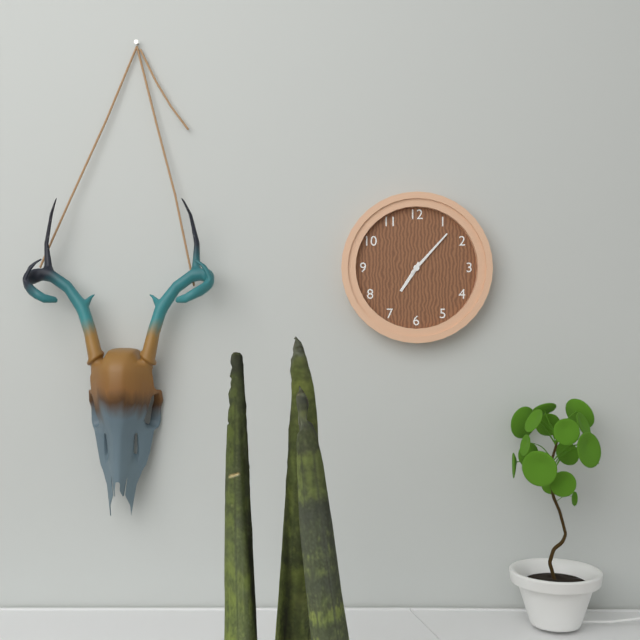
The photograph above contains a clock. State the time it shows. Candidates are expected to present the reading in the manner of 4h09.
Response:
7h07
